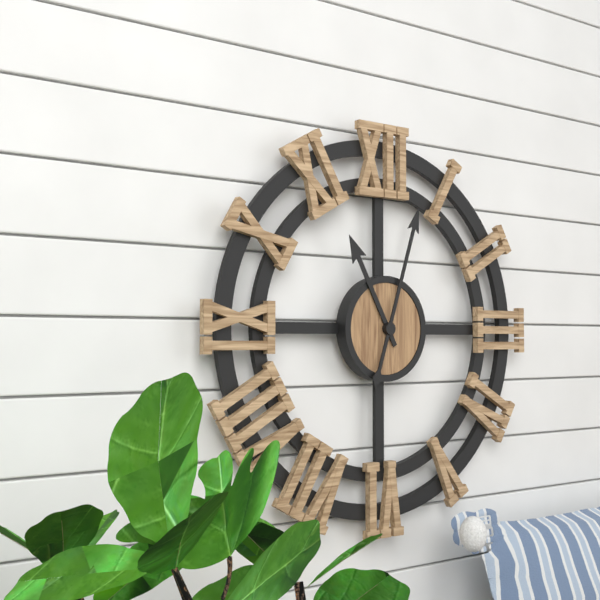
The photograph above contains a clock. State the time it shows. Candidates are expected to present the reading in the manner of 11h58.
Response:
11h03
